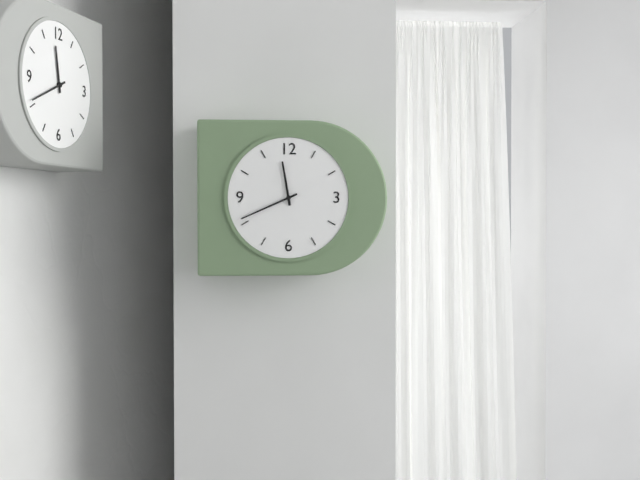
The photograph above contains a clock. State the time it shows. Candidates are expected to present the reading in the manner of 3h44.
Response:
11h41
